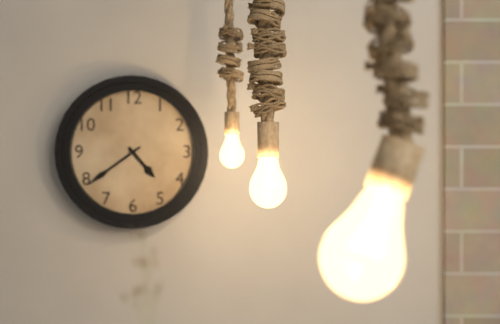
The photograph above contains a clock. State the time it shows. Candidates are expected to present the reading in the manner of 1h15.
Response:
4h39
